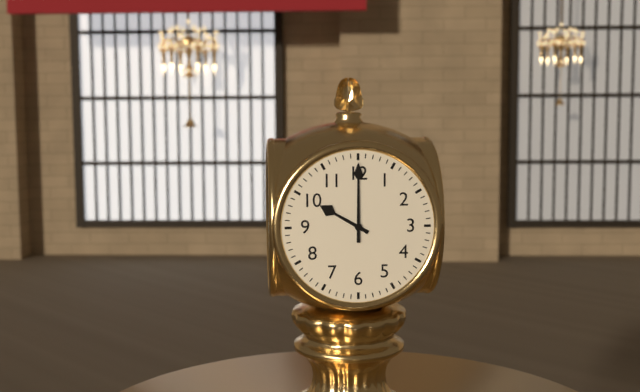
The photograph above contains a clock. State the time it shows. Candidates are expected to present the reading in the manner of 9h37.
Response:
10h00
